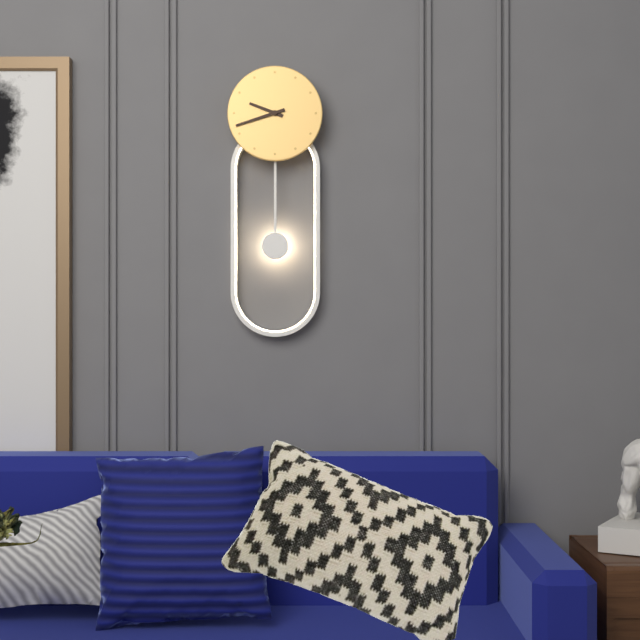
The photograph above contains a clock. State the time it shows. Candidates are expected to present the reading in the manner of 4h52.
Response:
9h42
